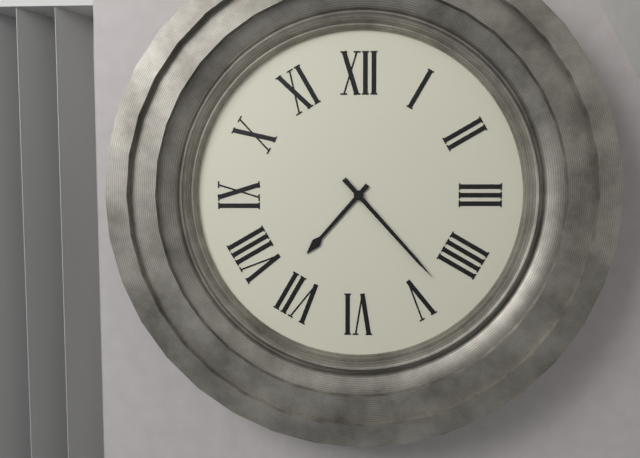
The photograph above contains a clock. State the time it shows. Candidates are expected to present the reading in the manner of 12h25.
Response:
7h23
